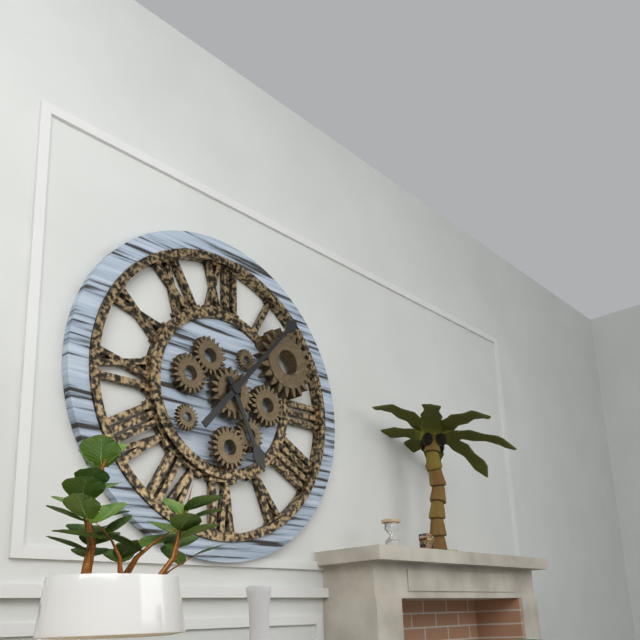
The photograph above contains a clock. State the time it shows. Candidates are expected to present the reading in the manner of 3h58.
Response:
5h07
